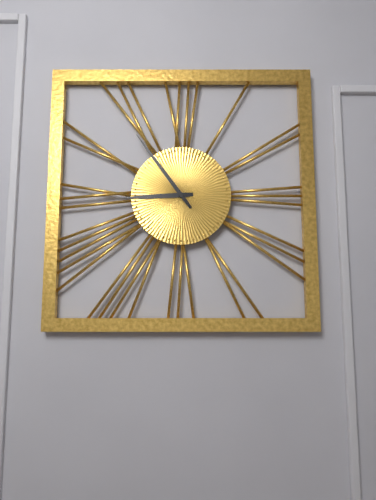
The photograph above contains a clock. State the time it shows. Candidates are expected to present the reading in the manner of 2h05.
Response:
8h54
